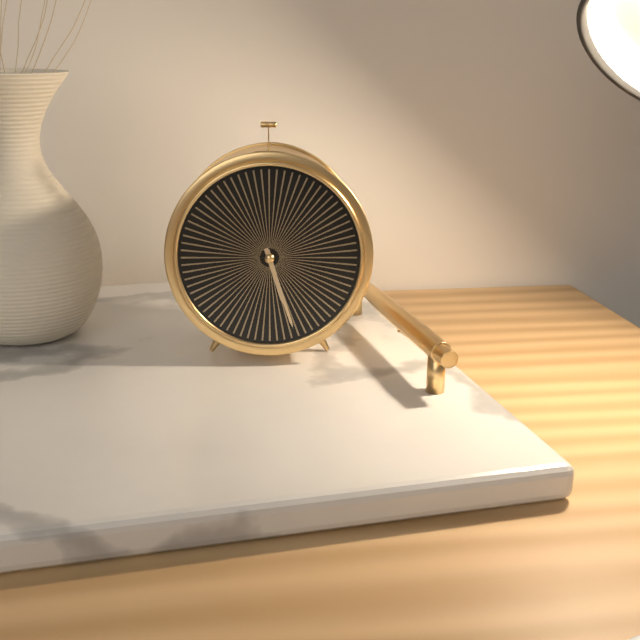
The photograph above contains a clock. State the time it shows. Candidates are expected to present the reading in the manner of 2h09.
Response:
5h27
